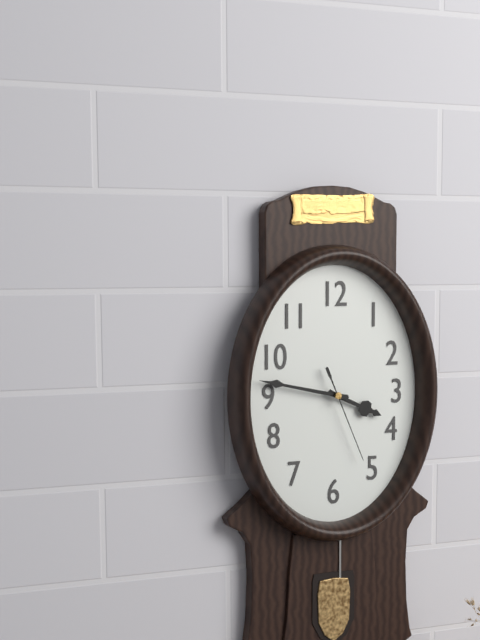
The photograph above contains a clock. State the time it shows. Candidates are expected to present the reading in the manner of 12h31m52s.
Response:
3h47m26s
